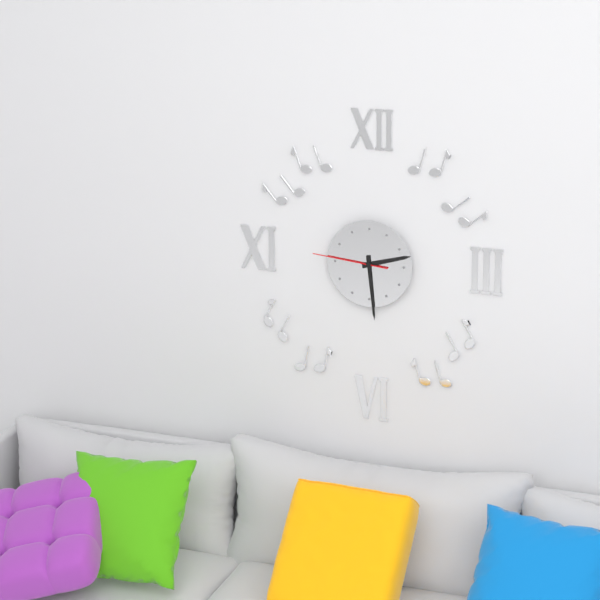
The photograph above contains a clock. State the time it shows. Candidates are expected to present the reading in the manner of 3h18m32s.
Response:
2h29m46s
